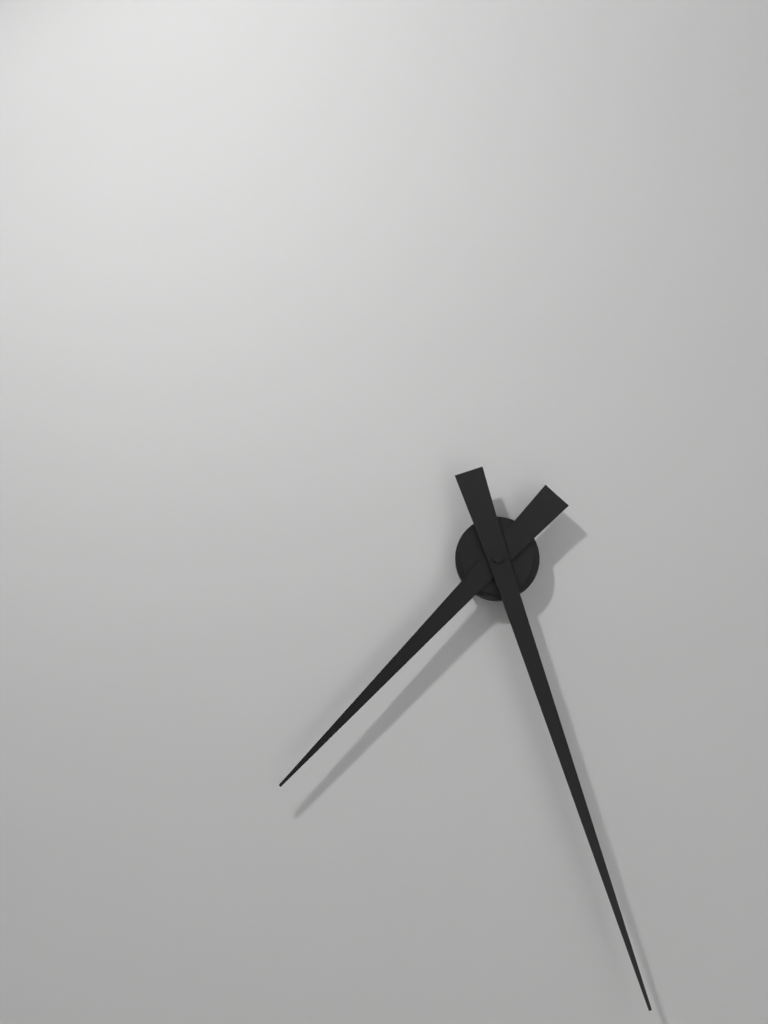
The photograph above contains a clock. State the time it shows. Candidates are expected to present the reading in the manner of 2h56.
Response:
7h27
